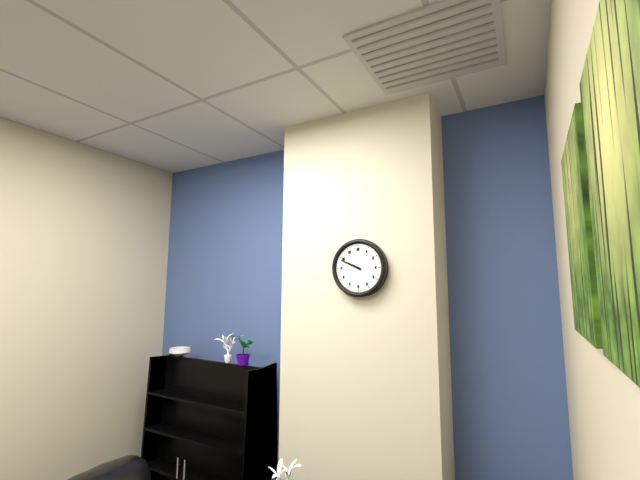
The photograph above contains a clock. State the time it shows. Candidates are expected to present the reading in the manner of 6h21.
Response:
9h49
